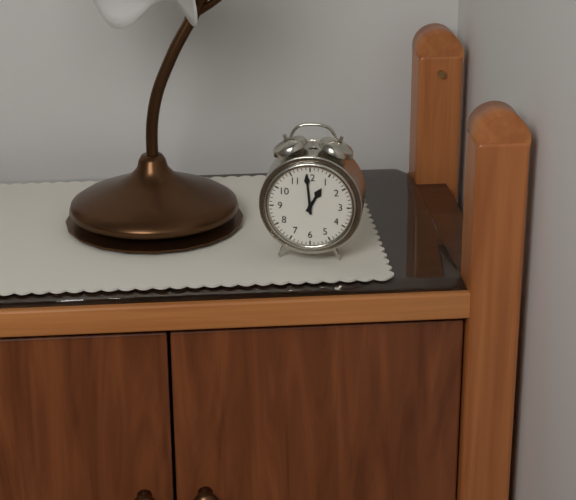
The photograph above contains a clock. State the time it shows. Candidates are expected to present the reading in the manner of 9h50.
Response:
12h59
